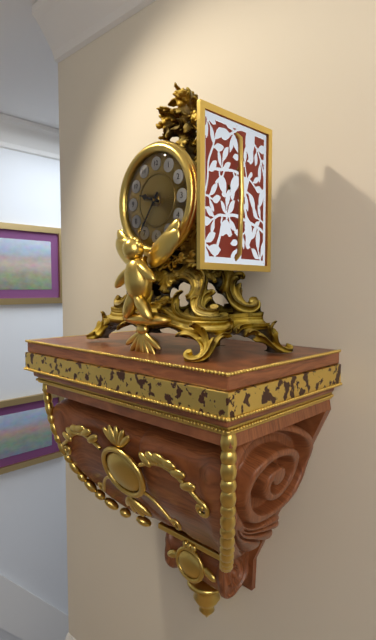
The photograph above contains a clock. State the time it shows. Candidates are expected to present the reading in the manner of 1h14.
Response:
9h36
